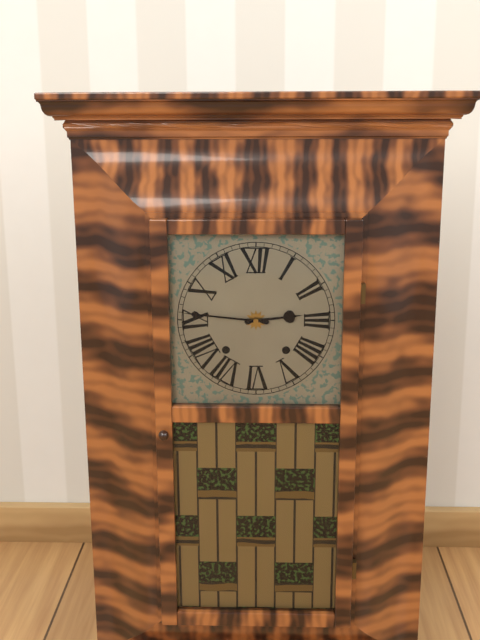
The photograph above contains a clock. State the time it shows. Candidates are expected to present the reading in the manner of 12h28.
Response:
2h46
